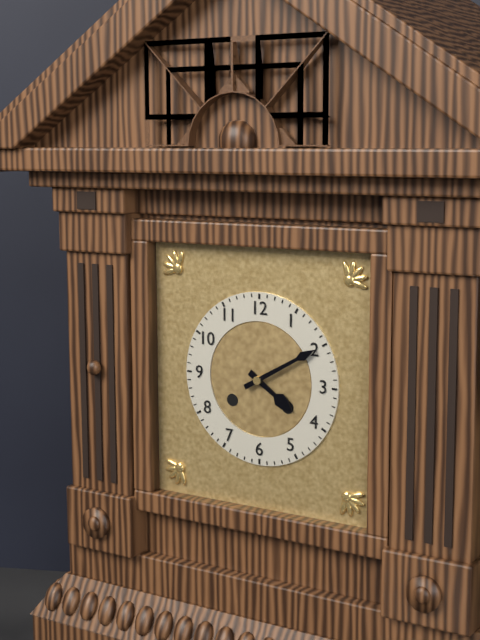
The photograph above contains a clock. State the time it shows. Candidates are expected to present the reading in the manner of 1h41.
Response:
4h10
